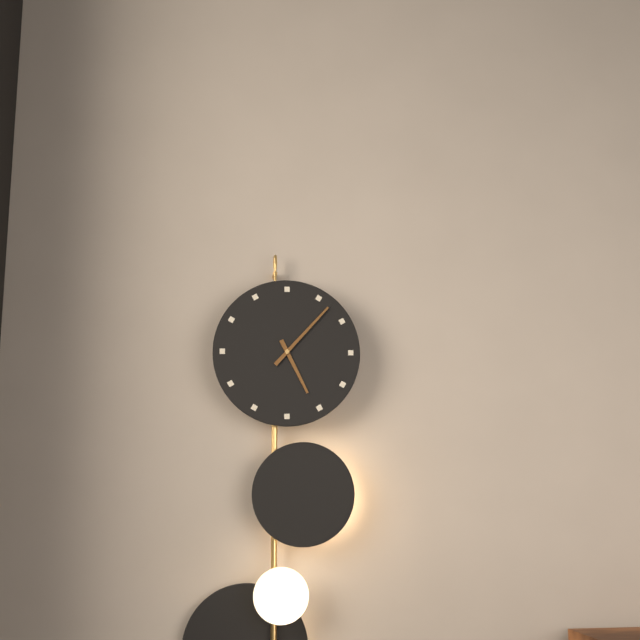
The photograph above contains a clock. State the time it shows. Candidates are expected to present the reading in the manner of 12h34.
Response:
5h07
